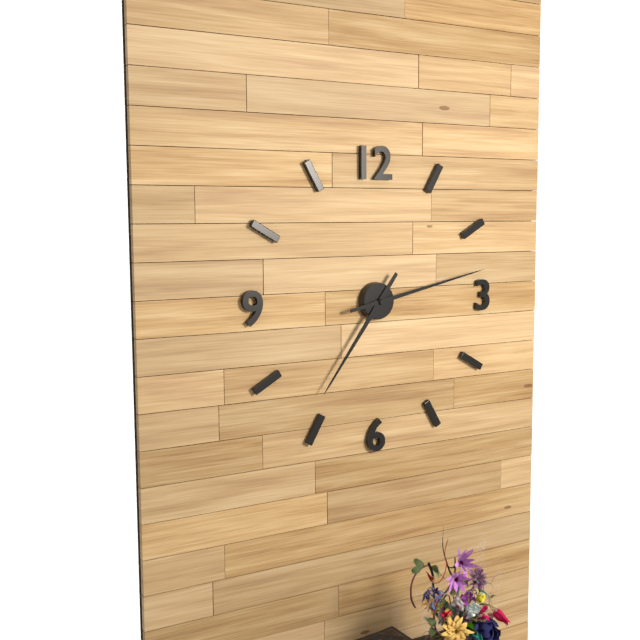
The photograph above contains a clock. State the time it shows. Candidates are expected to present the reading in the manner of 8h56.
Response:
7h13
